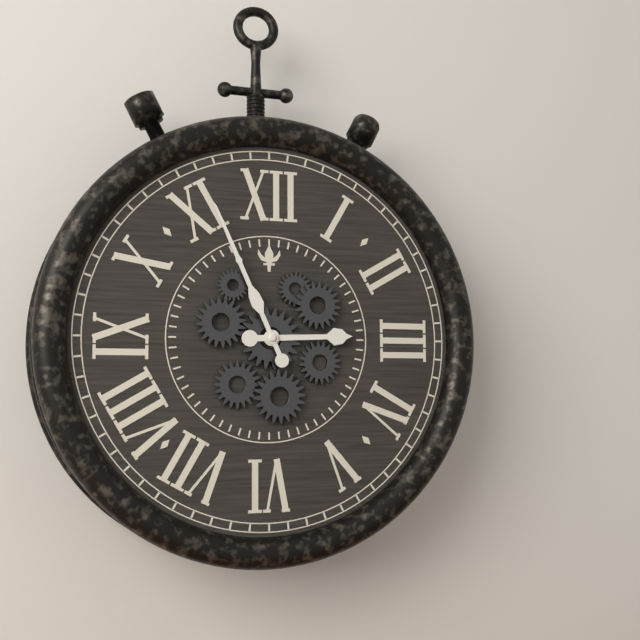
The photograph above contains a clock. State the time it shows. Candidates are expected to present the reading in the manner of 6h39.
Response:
2h56
